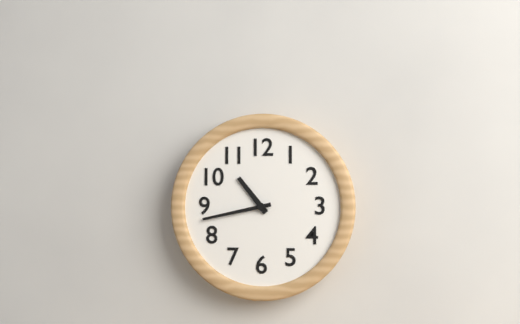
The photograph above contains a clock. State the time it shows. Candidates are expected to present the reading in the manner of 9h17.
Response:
10h43
